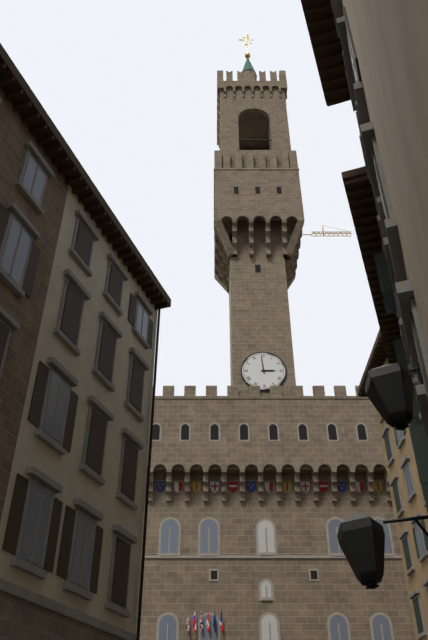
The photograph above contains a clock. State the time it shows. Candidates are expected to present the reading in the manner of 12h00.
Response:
2h59
